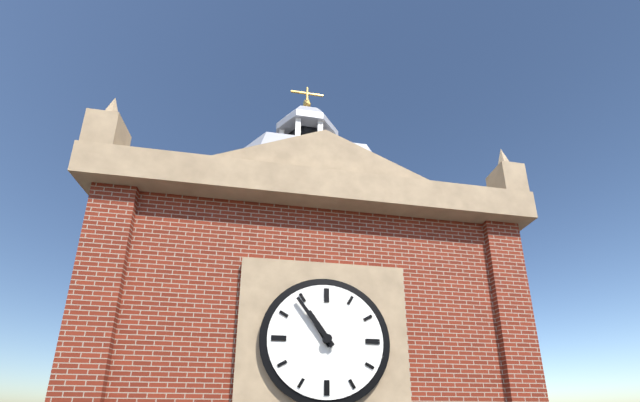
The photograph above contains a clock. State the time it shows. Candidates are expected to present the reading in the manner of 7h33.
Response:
10h54
